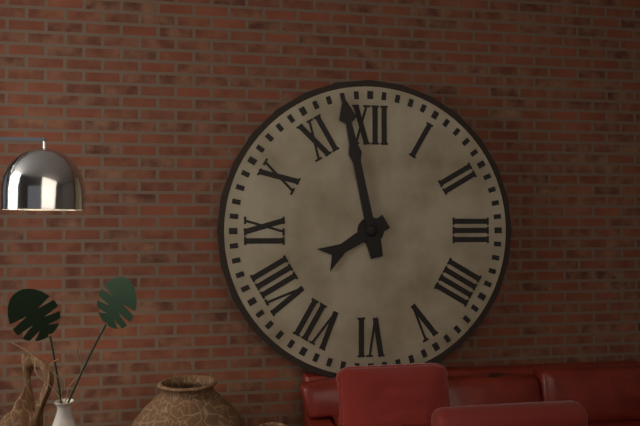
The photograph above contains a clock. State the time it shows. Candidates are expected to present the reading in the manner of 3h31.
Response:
7h58
